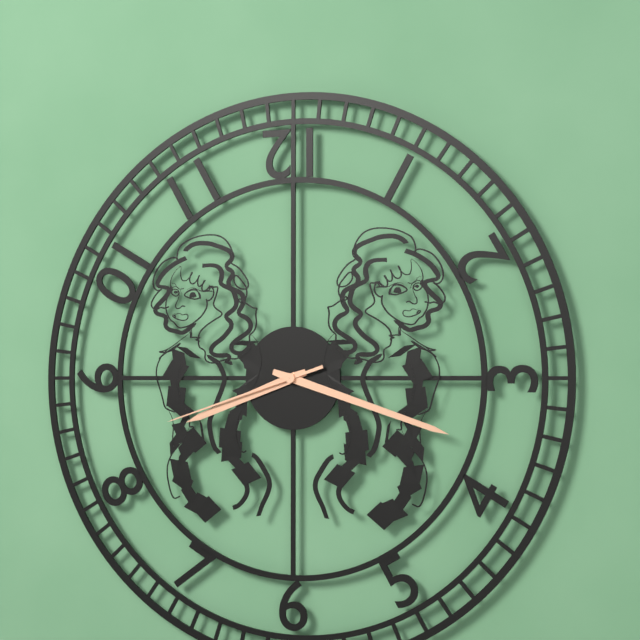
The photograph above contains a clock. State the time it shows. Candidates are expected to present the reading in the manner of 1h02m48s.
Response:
8h18m42s
